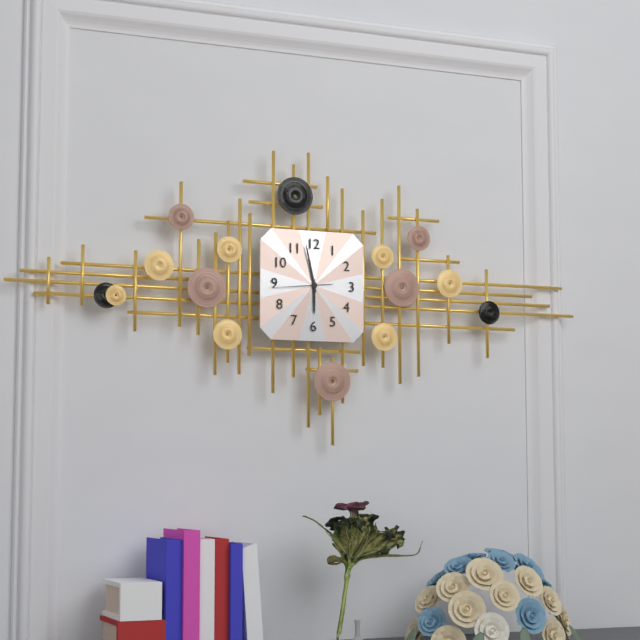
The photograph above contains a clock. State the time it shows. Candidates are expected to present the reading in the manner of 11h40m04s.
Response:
5h58m44s
